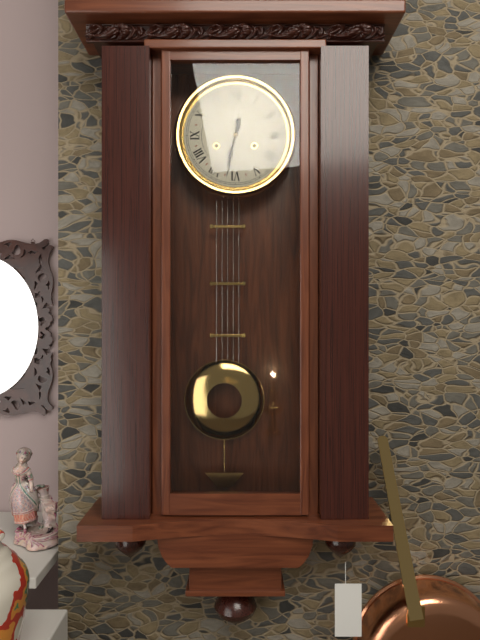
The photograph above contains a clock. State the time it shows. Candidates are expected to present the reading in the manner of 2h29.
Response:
6h32
